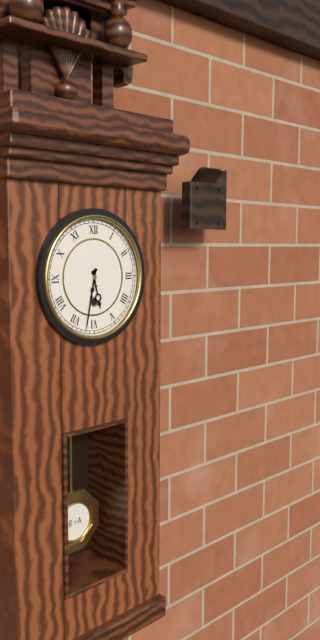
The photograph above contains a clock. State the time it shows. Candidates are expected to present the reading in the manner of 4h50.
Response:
5h32
